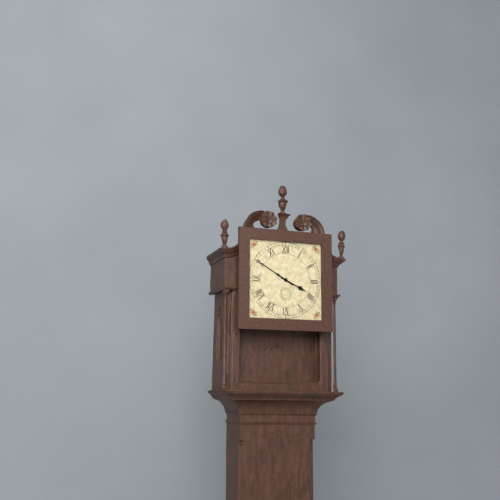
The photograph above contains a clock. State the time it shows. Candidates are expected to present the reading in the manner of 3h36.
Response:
3h50
